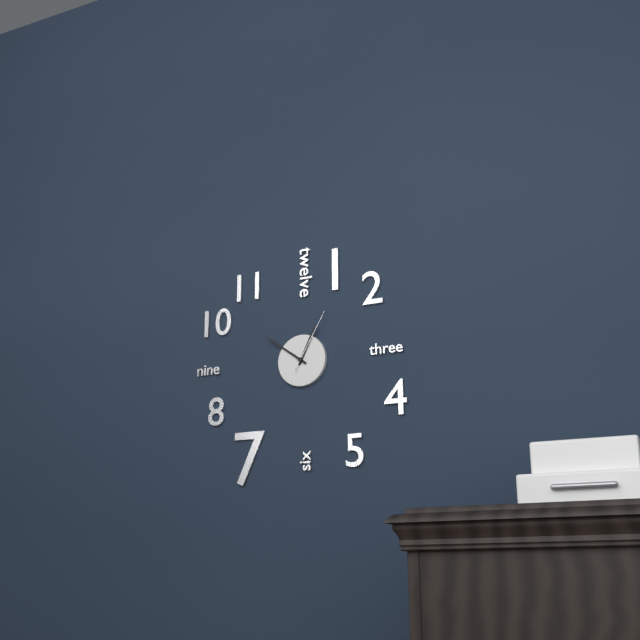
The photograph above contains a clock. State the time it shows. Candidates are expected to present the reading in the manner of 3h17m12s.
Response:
12h51m05s
